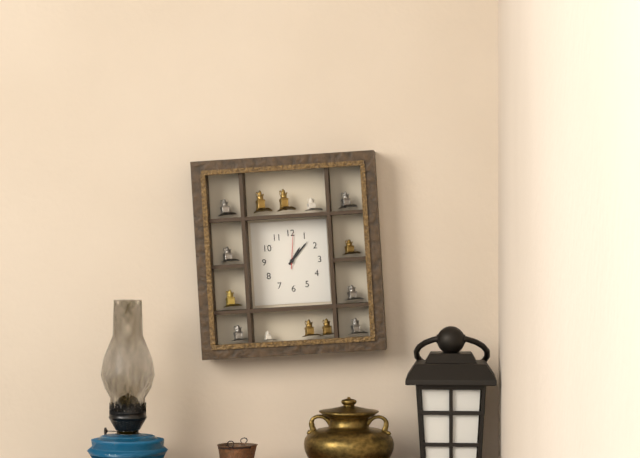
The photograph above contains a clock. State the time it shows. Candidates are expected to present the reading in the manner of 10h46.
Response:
1h07
